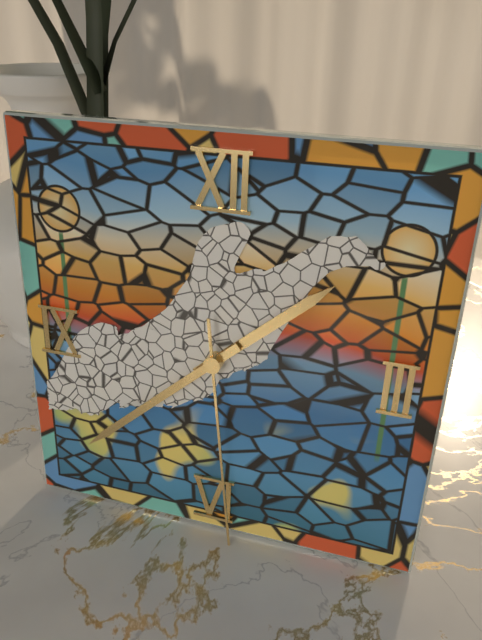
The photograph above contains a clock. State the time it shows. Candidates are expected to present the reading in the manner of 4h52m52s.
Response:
1h38m29s
